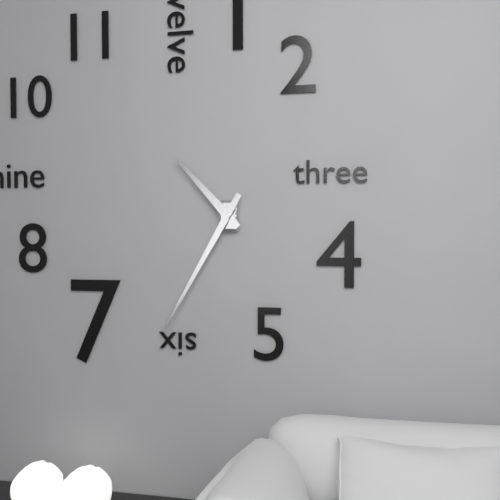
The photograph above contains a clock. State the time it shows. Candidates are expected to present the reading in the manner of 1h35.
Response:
10h35
